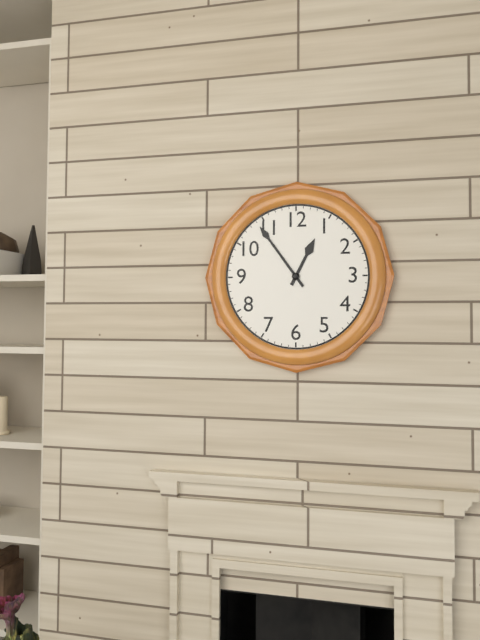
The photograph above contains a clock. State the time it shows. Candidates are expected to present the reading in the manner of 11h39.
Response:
12h54
